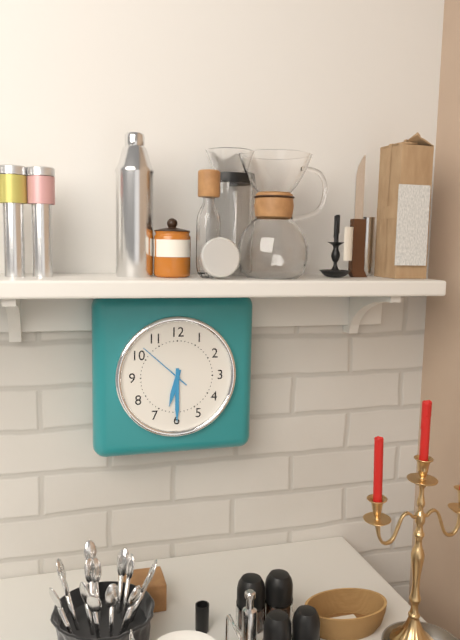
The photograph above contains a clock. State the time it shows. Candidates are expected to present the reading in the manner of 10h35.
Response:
6h30
